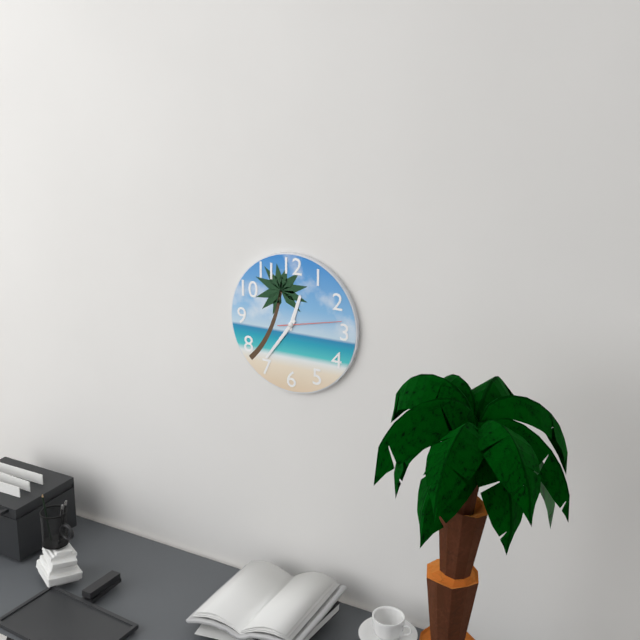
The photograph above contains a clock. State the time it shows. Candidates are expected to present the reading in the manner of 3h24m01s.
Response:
12h36m13s
